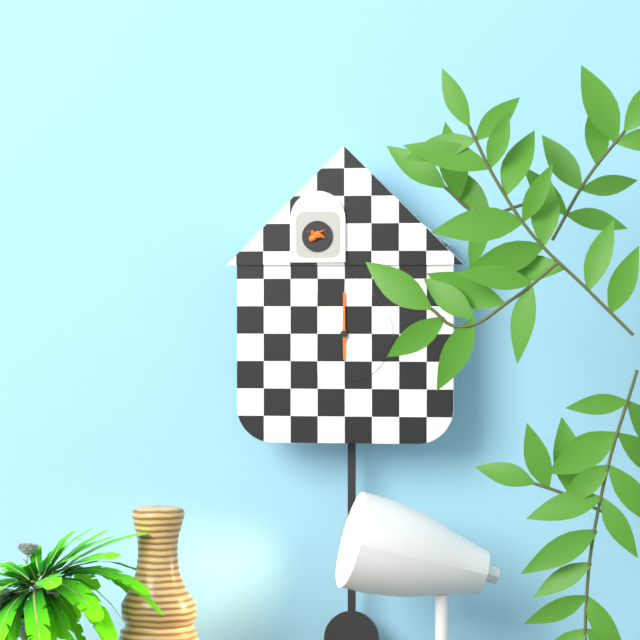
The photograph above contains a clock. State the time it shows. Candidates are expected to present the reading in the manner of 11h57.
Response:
6h00
